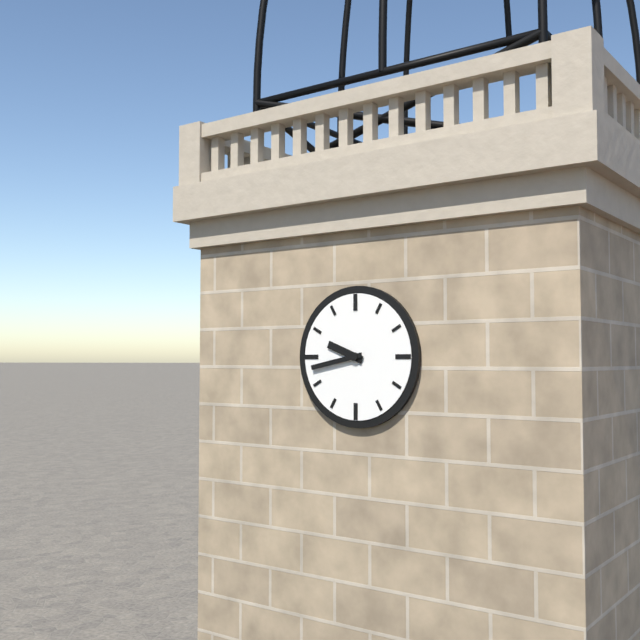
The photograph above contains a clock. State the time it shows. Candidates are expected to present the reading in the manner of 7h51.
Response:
9h43
